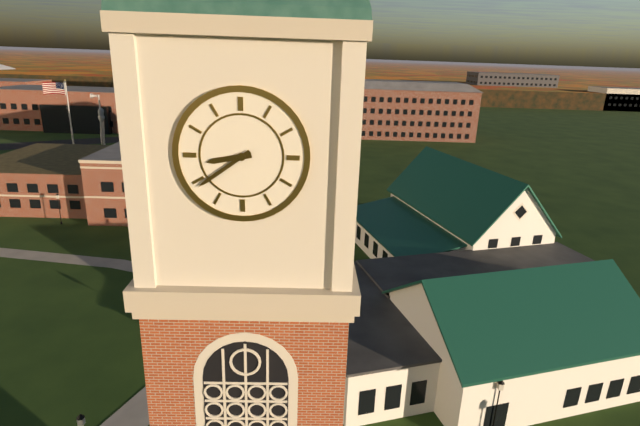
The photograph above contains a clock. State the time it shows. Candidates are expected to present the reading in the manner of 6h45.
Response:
8h39
